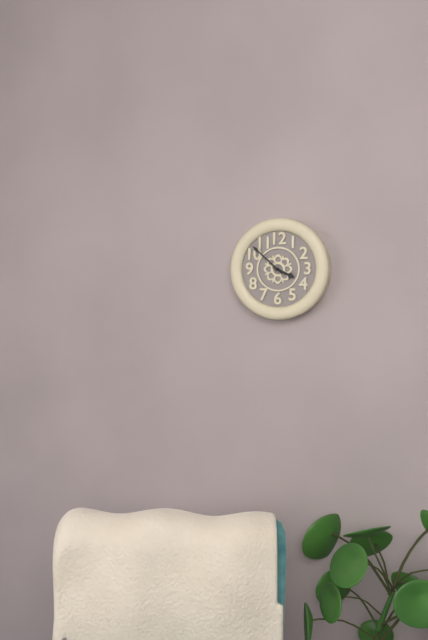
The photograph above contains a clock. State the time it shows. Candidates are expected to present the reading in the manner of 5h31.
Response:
3h52
